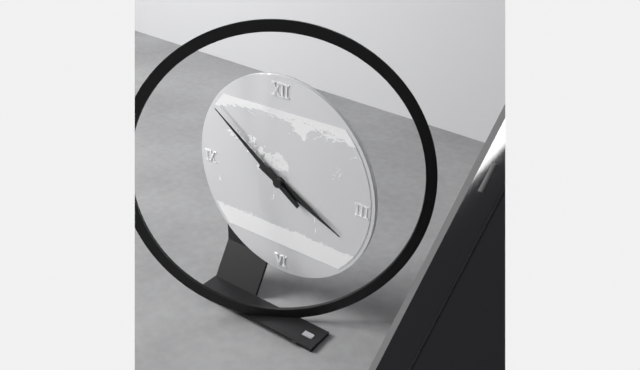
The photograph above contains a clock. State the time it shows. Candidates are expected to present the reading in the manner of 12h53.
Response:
3h51
